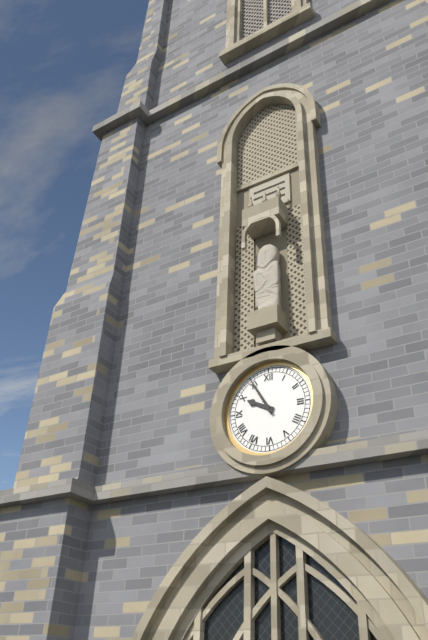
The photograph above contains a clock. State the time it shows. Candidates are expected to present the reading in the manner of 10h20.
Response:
9h55
